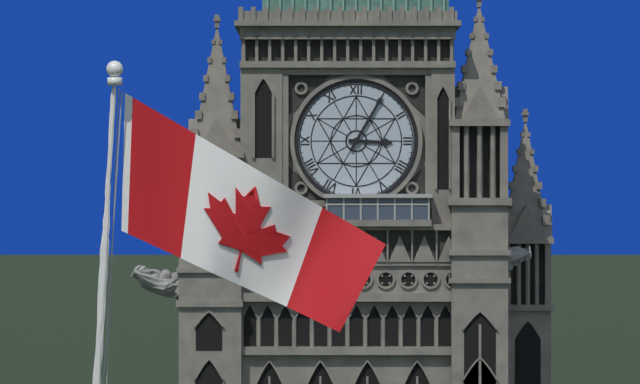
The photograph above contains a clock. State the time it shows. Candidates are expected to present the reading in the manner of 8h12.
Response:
3h05
